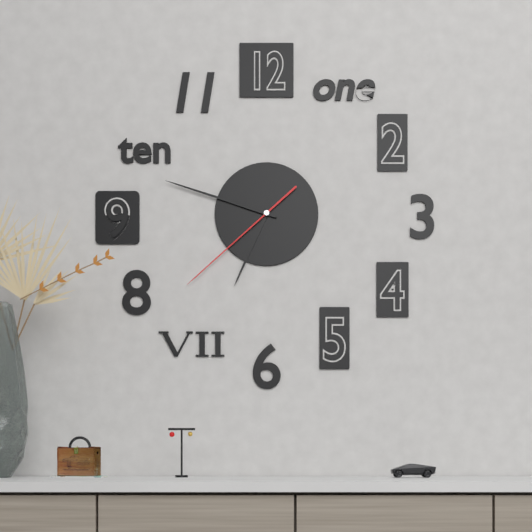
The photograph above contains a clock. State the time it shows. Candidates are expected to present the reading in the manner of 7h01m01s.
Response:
6h48m38s
